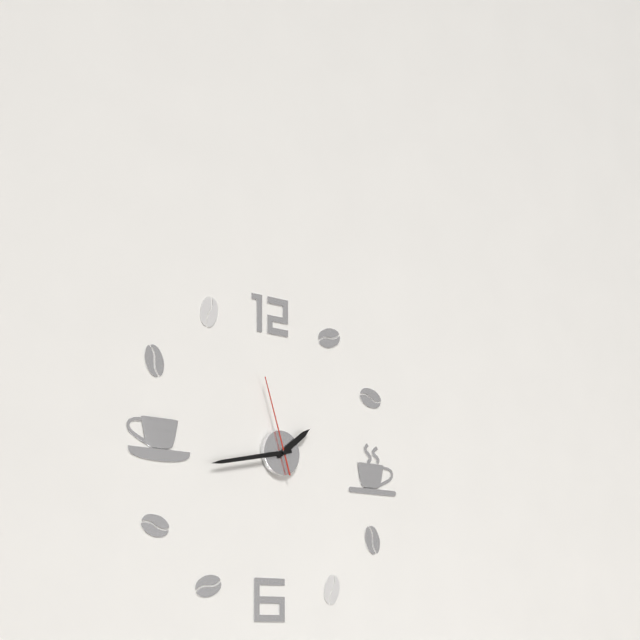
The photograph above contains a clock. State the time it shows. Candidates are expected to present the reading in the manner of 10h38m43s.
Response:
1h43m57s
